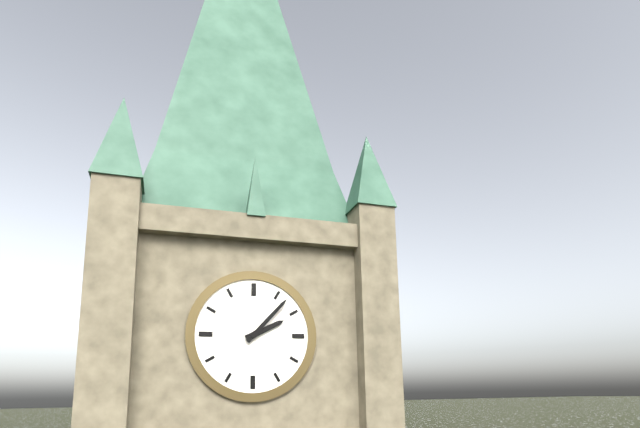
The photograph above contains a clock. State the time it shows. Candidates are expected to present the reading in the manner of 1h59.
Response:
2h07
